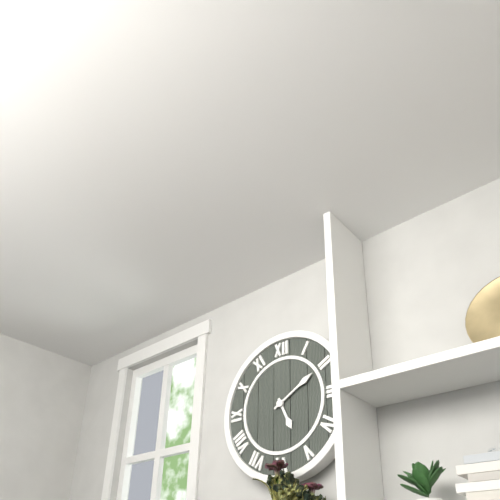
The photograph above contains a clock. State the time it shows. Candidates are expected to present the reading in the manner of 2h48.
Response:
5h10
